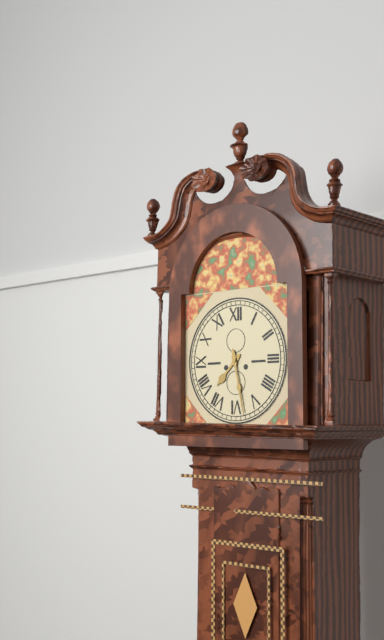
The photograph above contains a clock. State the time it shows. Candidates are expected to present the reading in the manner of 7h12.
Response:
7h28
